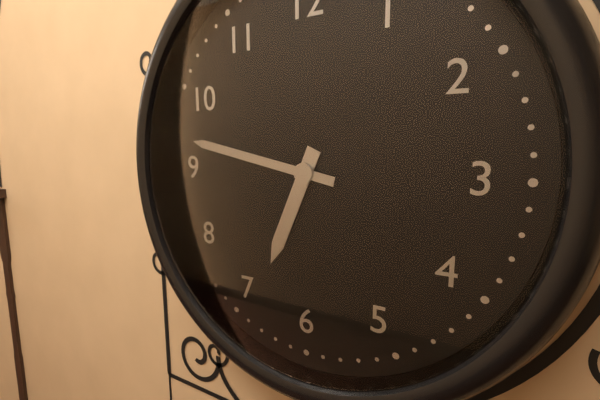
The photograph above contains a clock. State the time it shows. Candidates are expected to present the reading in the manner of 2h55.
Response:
6h47
